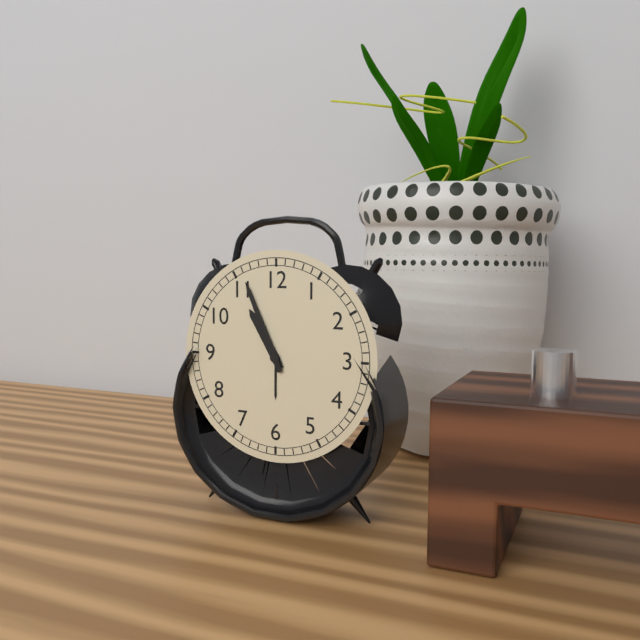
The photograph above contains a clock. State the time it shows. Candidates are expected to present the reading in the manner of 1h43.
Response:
10h56
